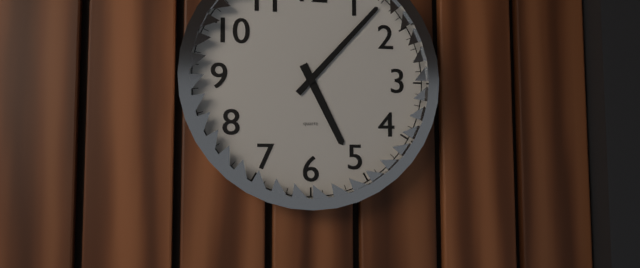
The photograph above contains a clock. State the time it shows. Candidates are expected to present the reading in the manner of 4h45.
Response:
5h07
